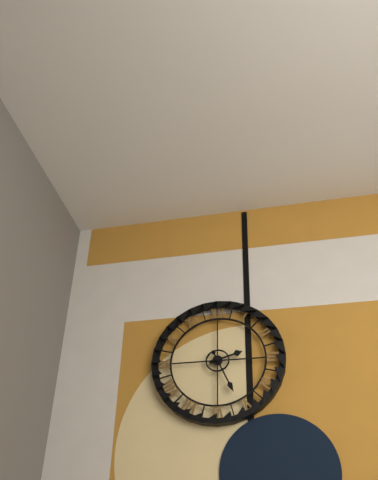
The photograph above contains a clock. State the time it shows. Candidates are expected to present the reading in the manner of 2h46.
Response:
2h26
